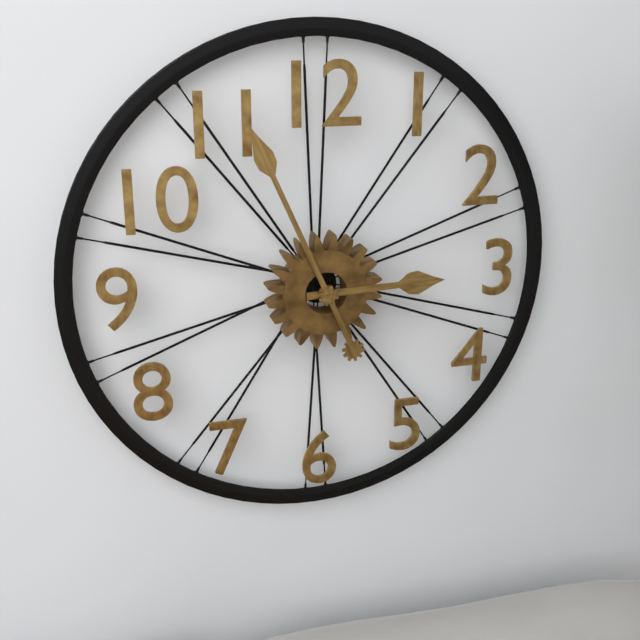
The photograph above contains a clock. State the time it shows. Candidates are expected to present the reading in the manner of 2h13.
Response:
2h56
